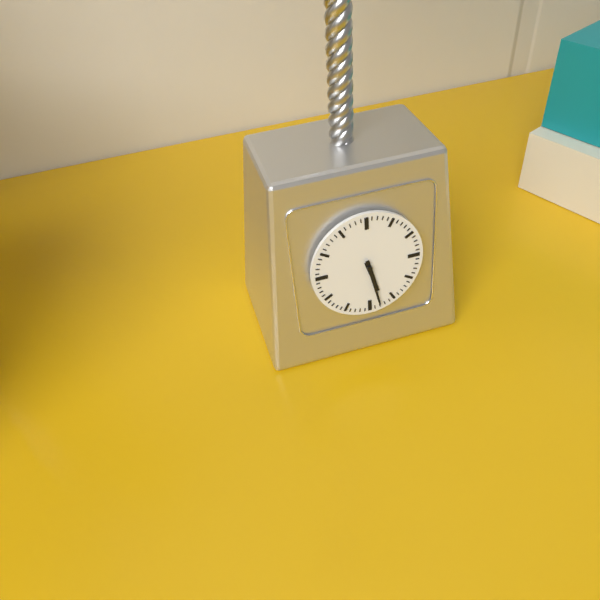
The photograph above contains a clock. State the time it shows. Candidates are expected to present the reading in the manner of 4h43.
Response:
5h28
